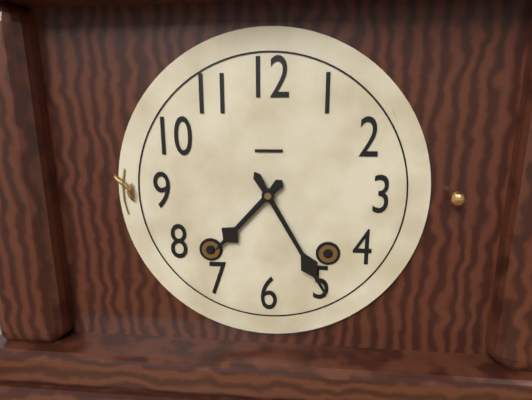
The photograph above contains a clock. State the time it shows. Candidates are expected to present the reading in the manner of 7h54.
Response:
7h25
